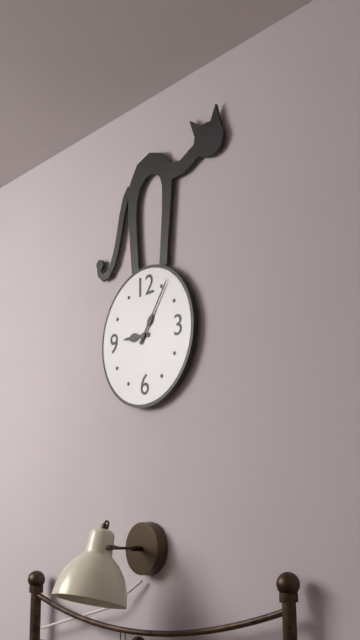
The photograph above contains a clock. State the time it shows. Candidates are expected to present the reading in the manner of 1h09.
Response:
9h06
